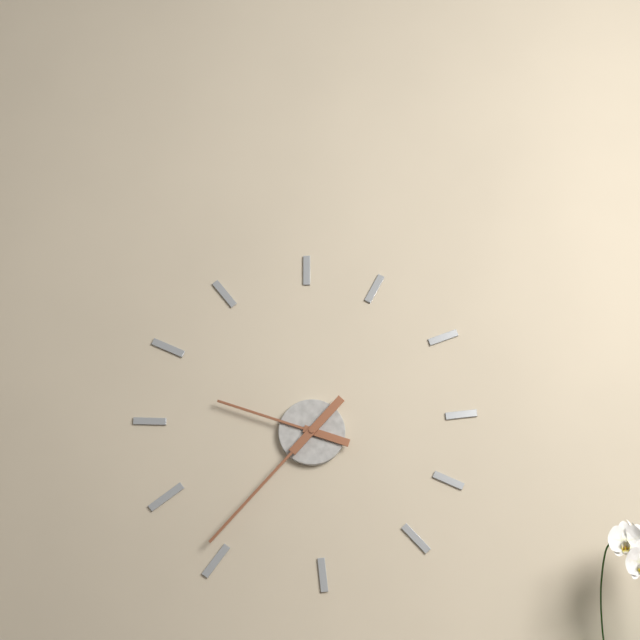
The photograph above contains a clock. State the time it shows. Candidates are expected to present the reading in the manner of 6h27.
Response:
9h37
